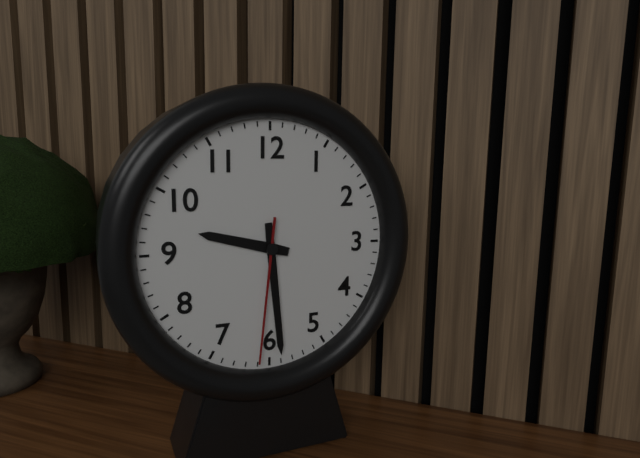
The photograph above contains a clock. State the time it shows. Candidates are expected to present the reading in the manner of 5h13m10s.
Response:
9h29m31s
